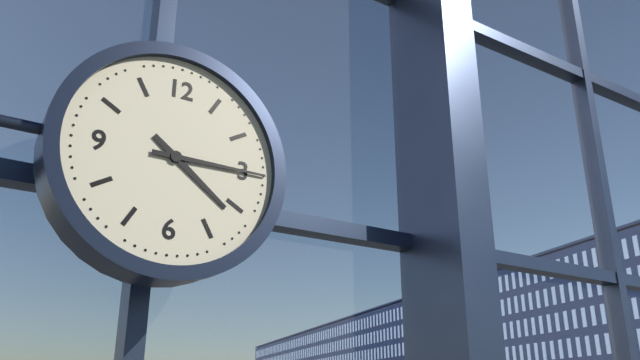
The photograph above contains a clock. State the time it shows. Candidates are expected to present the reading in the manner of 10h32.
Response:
4h15
